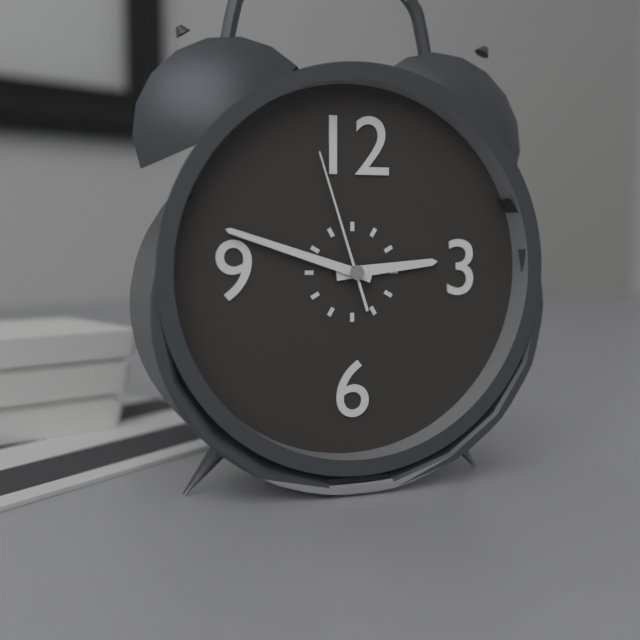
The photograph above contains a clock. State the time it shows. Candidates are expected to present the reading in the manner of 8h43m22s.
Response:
2h48m57s
